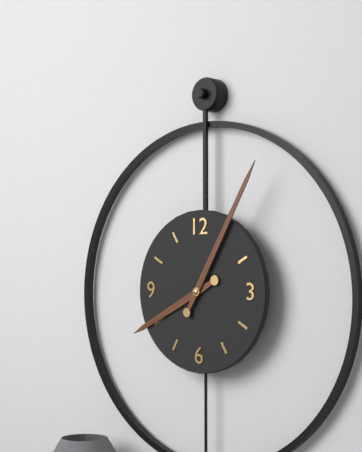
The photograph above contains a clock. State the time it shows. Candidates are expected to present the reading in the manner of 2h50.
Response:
8h05
